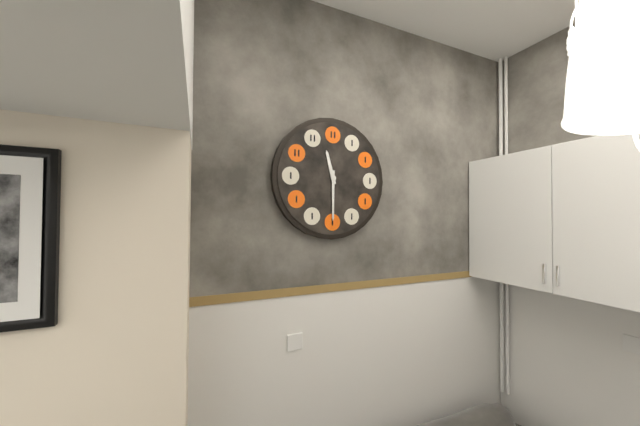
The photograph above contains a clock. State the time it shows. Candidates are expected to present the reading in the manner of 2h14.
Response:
11h30
